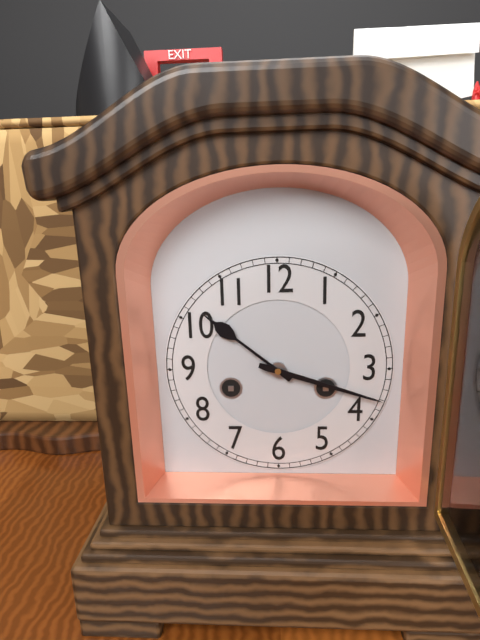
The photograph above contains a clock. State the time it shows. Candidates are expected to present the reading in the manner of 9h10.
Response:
10h18
